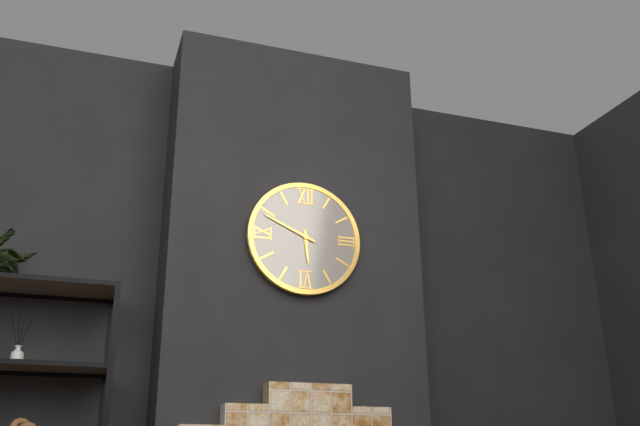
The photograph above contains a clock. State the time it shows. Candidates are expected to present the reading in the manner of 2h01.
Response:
5h49
